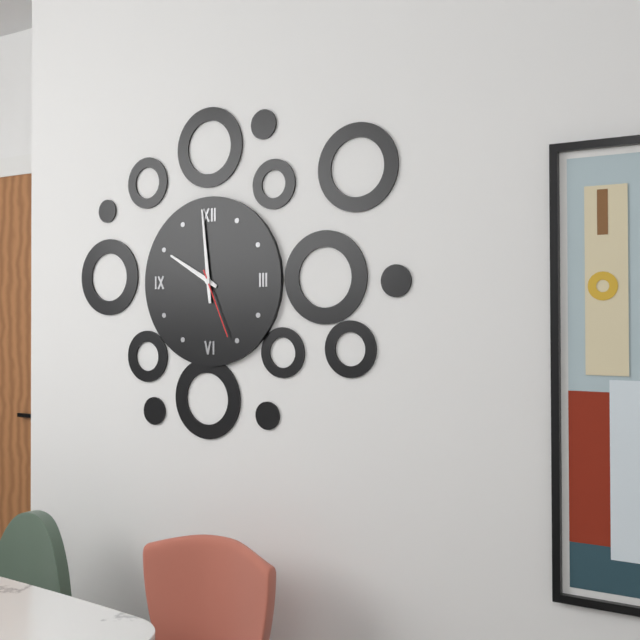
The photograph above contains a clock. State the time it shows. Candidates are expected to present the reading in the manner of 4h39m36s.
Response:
9h59m26s
